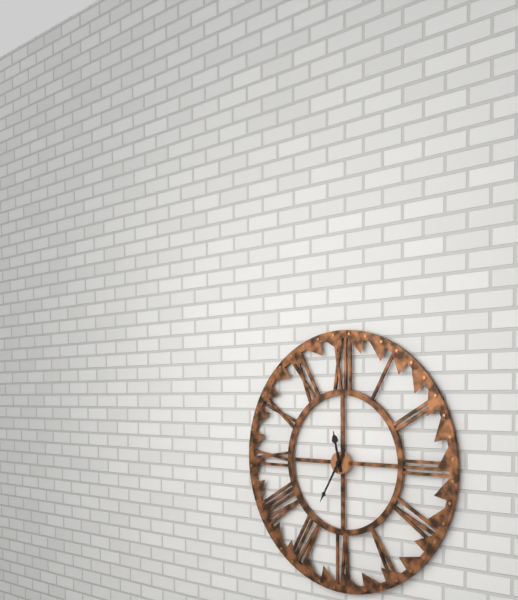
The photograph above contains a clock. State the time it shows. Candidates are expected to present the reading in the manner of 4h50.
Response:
11h35
